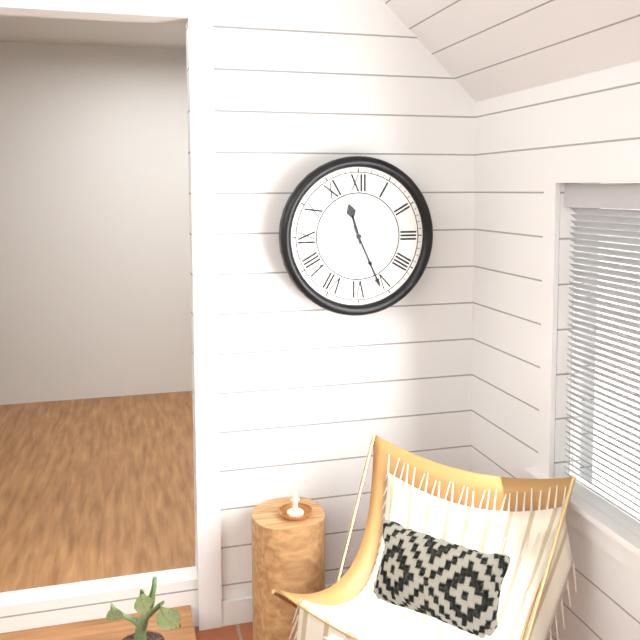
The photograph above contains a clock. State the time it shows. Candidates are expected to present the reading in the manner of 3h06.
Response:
11h26
